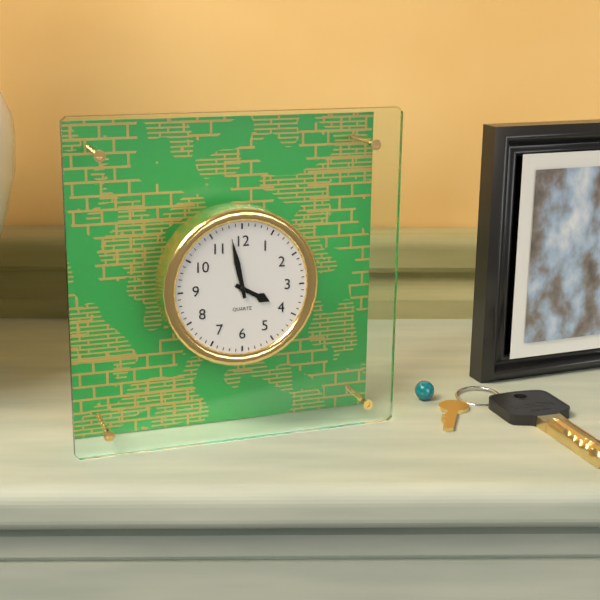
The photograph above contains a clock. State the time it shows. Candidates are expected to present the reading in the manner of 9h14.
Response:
3h58
